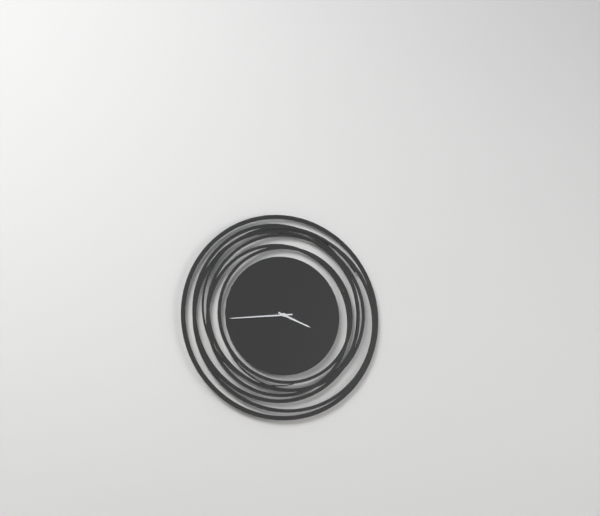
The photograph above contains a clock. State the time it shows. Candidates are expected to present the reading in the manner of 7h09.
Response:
3h44
